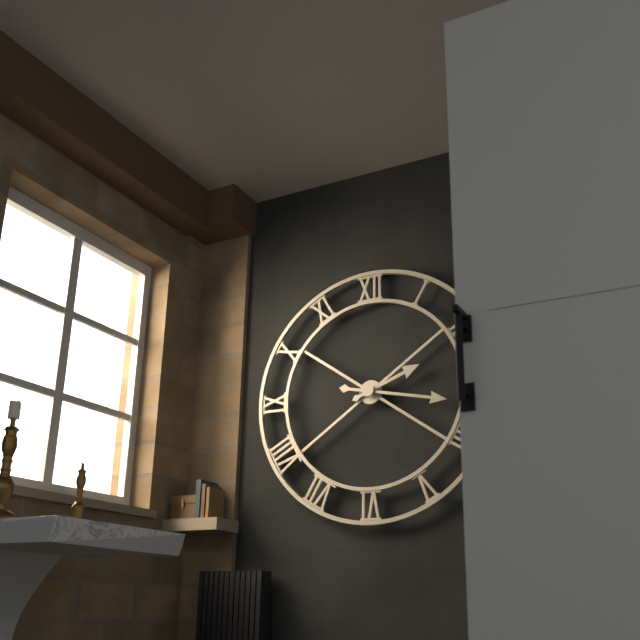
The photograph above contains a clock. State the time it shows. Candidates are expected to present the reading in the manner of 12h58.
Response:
2h17
